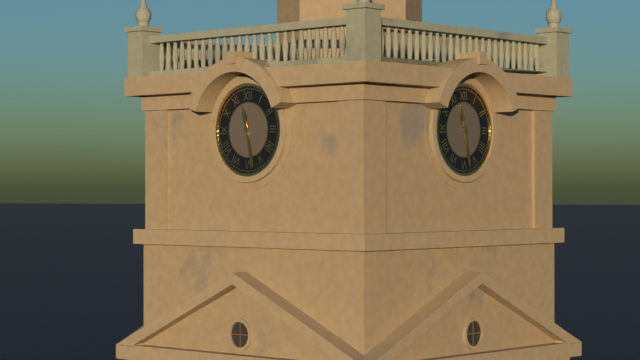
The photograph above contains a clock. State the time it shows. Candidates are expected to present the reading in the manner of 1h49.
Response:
11h28
